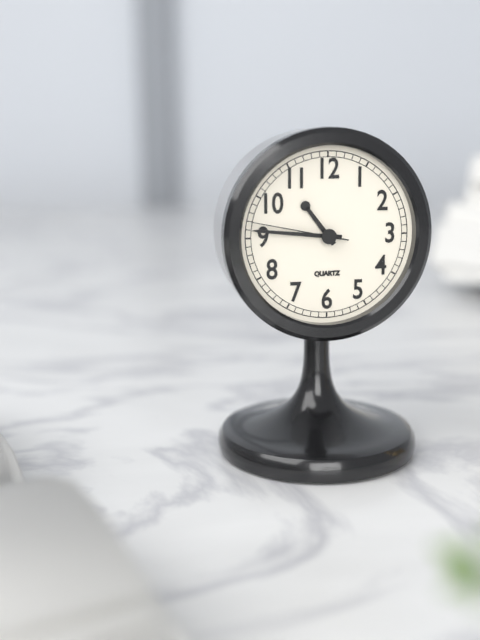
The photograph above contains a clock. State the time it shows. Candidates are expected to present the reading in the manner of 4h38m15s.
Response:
10h46m47s
